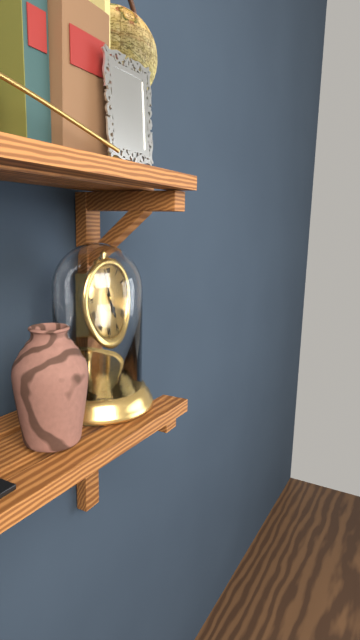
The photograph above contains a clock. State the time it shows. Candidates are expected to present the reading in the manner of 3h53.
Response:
4h57
